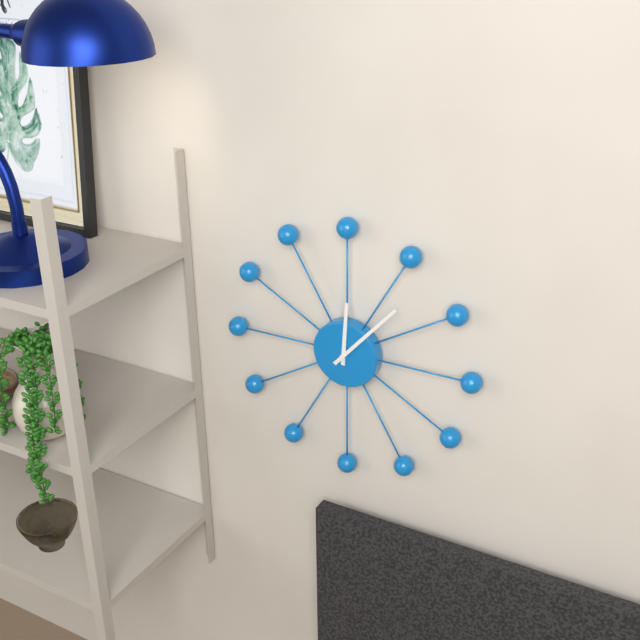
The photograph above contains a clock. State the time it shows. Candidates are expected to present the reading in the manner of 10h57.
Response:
12h07
